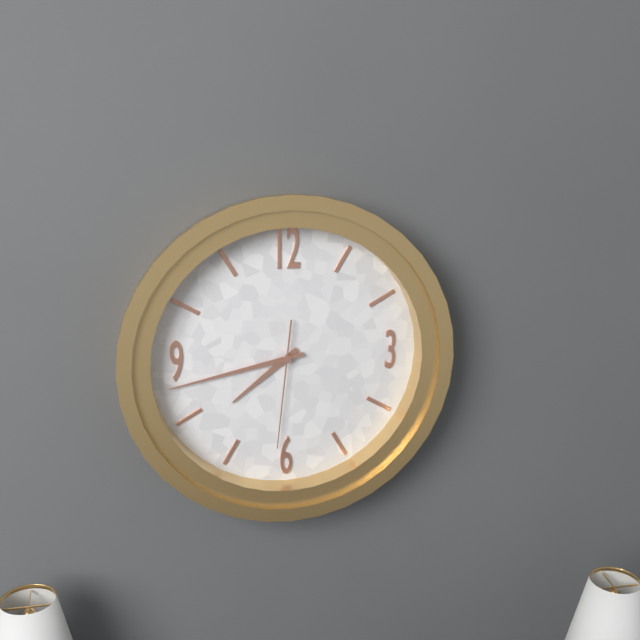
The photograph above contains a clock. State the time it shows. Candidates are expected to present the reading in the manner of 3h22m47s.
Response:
7h43m31s
